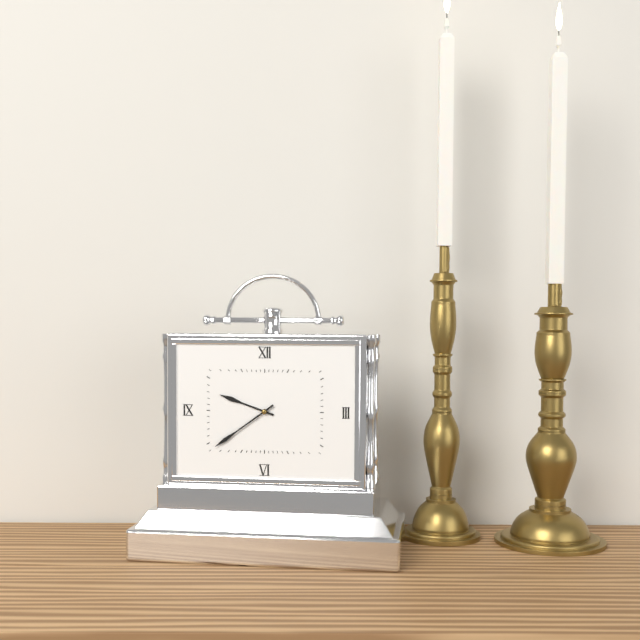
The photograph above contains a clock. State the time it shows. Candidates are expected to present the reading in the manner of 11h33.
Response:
9h39
